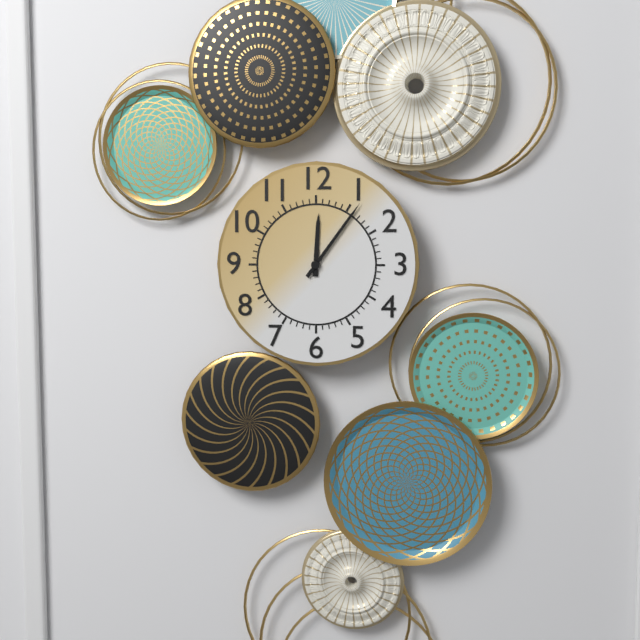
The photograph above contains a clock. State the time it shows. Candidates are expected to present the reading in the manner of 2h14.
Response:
12h06
